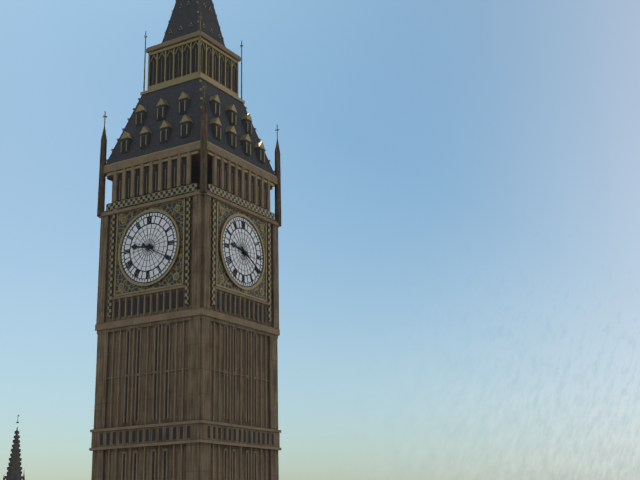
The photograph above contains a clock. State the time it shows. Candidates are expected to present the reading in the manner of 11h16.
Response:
9h20
